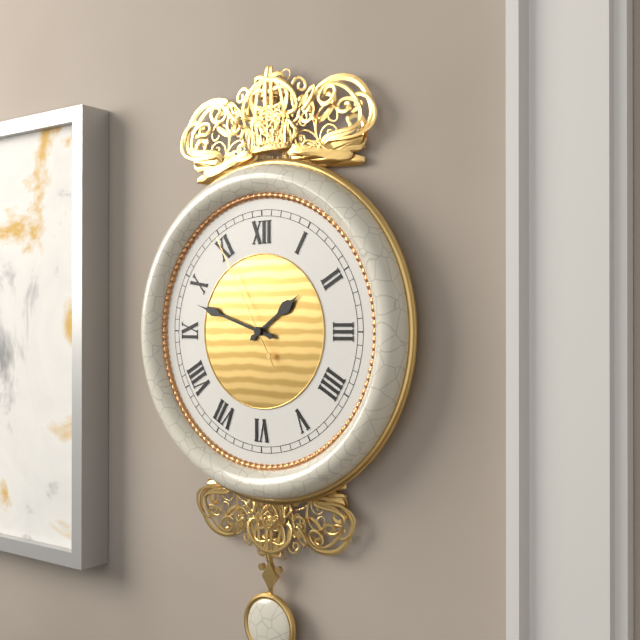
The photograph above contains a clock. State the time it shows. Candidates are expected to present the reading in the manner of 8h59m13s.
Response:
1h48m55s
